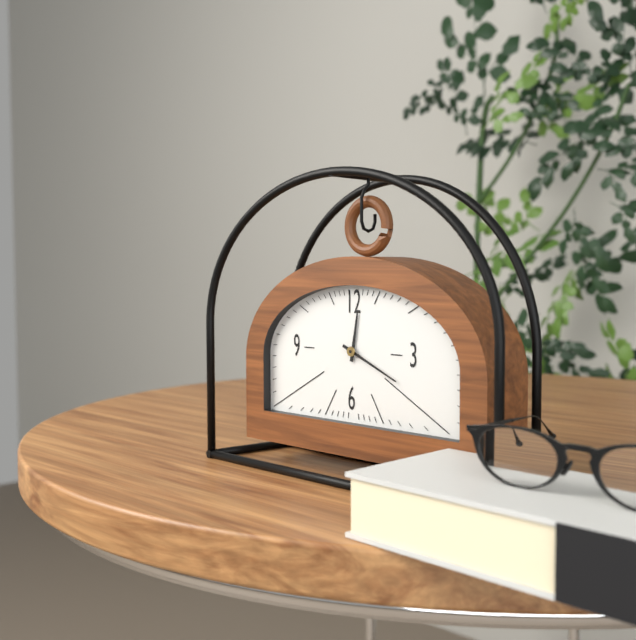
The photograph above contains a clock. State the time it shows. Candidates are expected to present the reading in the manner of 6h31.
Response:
12h19
